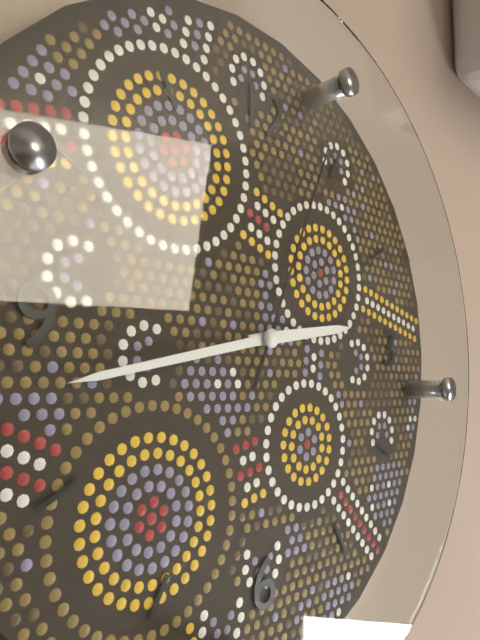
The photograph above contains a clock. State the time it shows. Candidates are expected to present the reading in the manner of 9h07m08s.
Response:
2h43m04s
